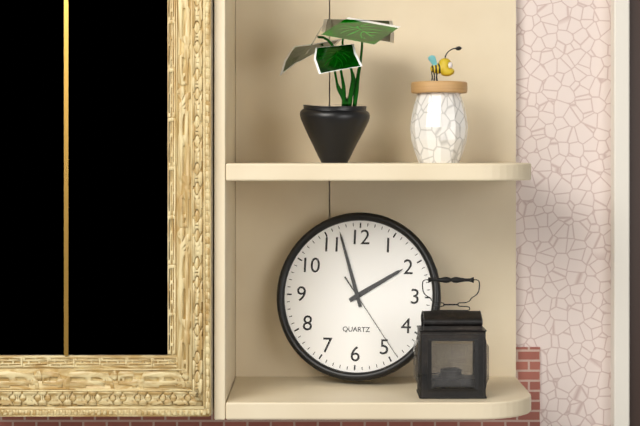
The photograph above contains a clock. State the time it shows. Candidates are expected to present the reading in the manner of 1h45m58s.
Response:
1h57m24s
